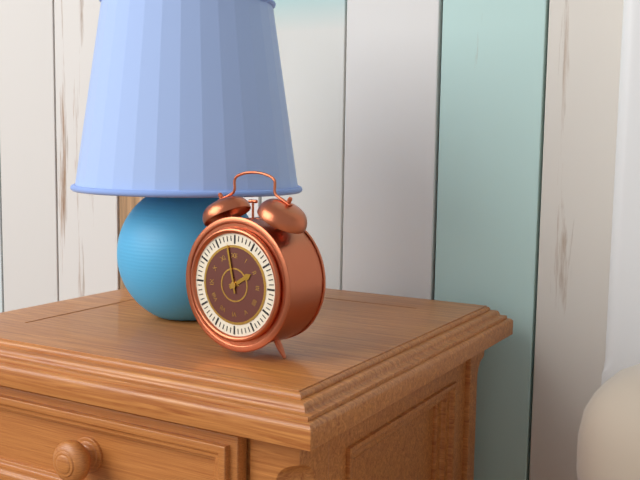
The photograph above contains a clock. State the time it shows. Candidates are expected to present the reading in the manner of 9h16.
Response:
1h58
